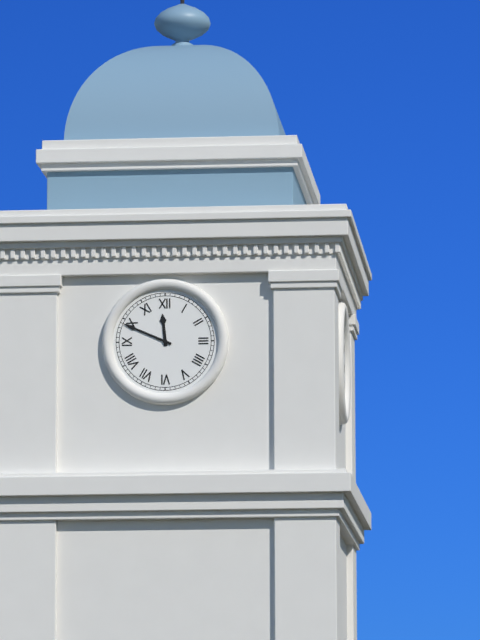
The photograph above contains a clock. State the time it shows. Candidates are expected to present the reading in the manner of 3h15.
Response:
11h49
